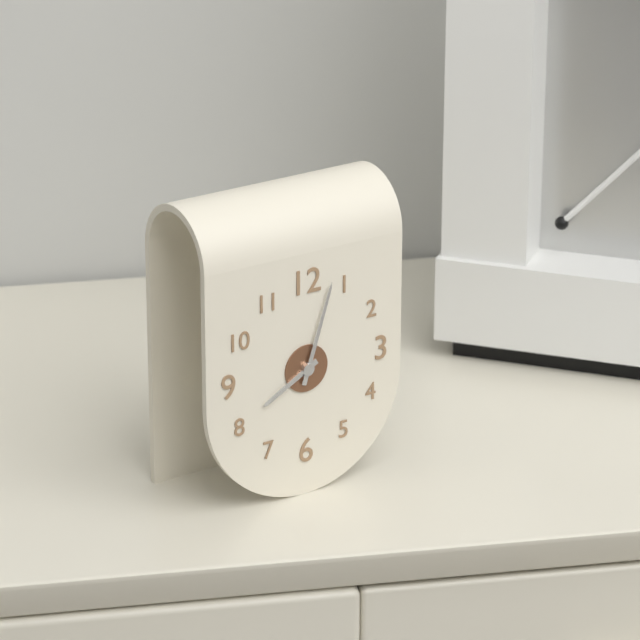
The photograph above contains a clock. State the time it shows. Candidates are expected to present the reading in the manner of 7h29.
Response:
8h03
